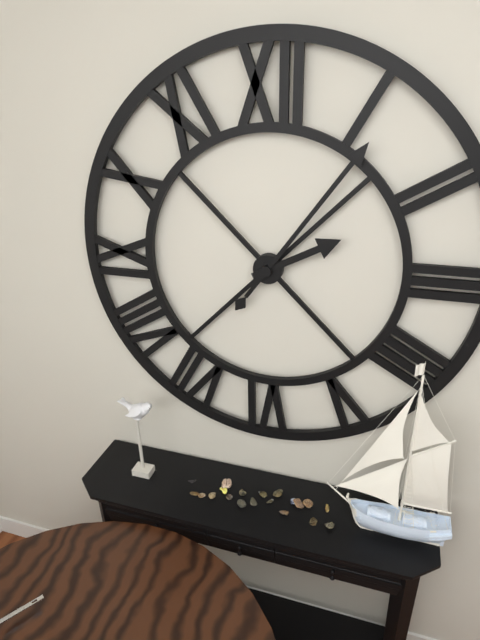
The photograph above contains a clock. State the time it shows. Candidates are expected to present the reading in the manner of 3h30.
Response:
2h06
